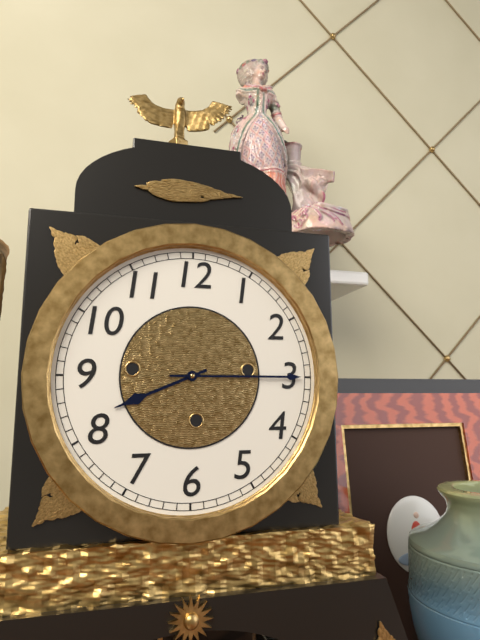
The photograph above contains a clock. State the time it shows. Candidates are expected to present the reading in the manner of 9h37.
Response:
8h15
